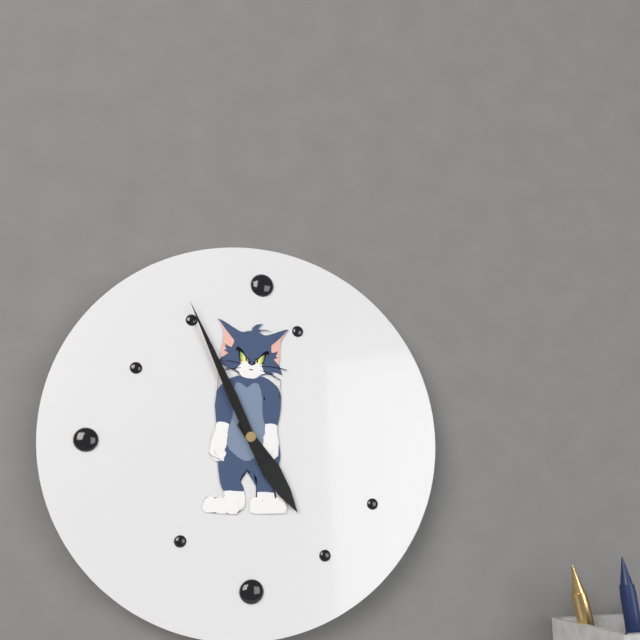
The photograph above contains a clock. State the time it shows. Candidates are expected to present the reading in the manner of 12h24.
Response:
4h56
